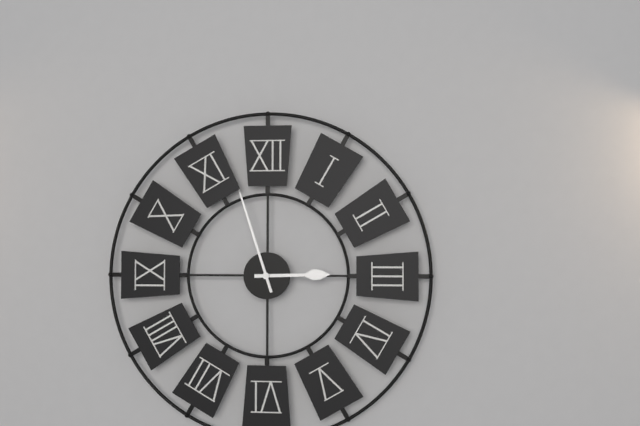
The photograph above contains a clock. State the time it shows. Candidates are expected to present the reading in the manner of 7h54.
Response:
2h57
